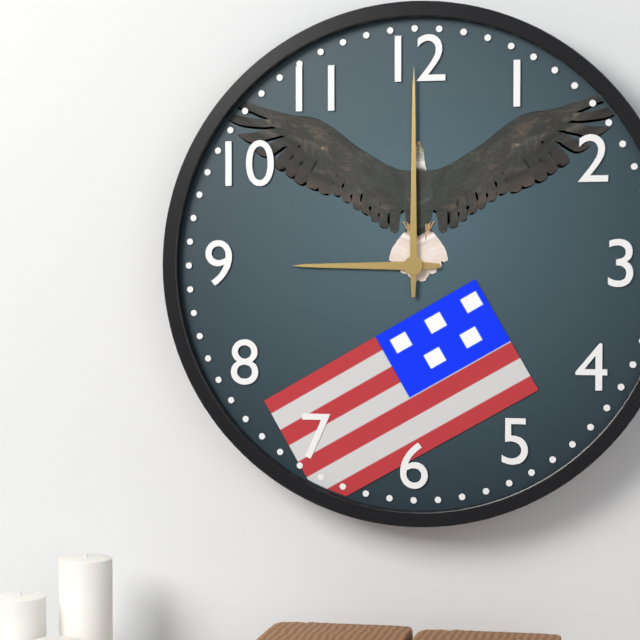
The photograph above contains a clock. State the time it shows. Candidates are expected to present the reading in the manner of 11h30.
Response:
9h00
